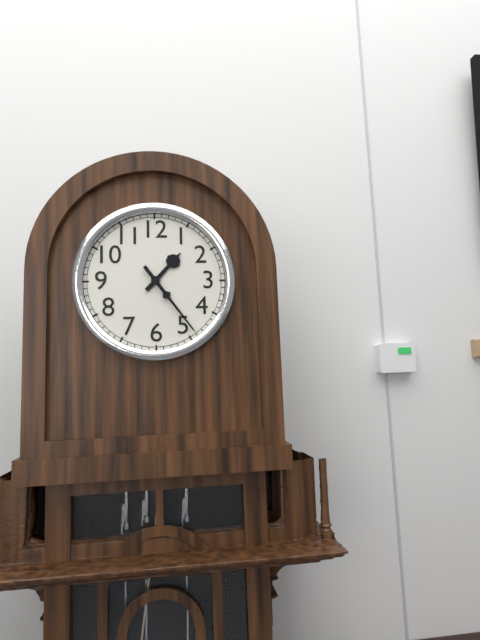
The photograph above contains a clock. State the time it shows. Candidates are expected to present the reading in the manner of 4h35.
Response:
1h24
